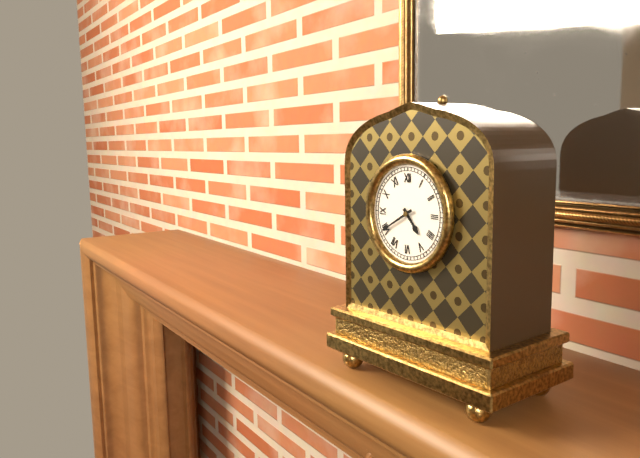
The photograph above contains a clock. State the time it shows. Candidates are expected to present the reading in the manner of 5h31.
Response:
4h40
